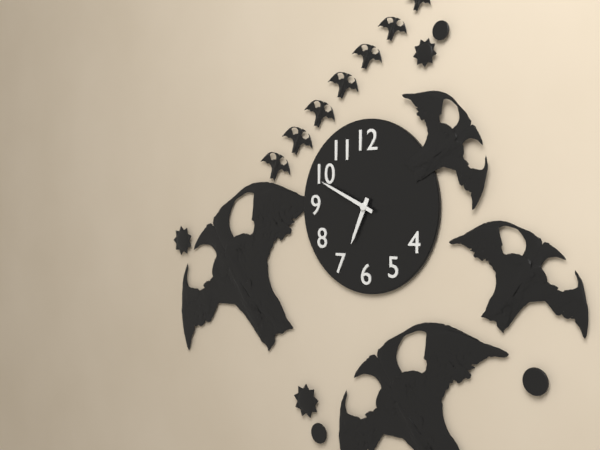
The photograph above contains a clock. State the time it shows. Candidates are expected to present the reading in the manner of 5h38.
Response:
6h49
